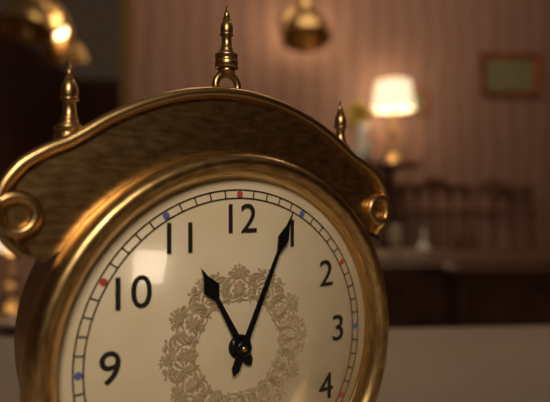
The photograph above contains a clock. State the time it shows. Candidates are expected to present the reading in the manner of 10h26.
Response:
11h04
